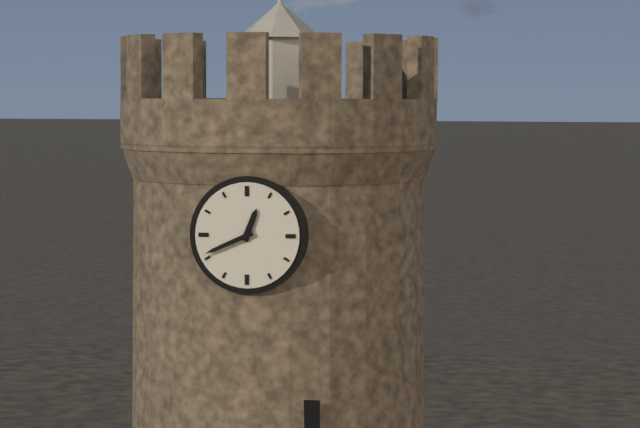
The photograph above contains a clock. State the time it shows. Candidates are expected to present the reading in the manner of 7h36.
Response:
12h41
